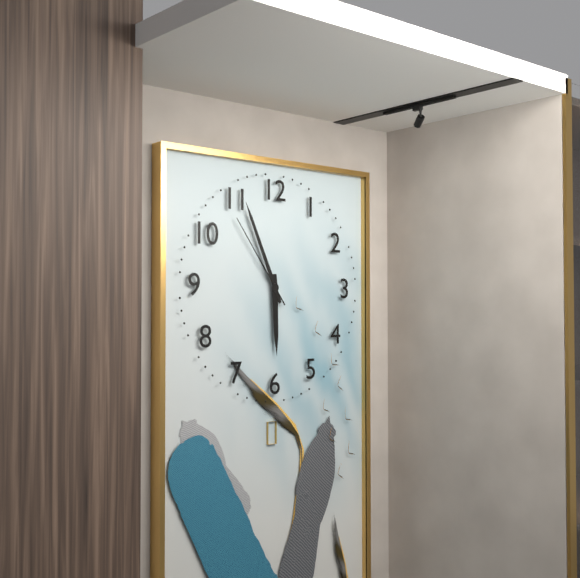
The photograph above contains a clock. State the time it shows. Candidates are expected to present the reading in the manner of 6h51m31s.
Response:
5h56m54s
